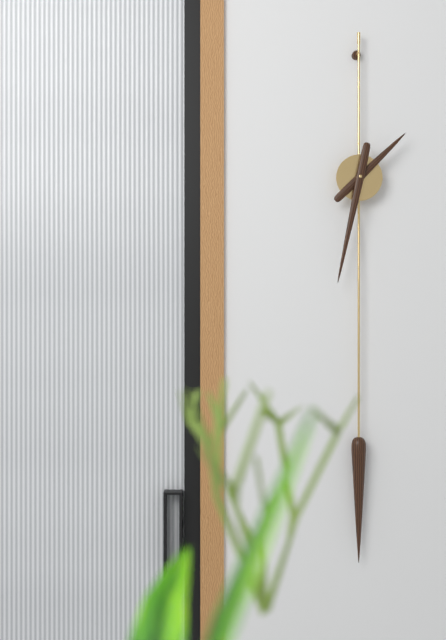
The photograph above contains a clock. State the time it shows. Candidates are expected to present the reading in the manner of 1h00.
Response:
1h32
